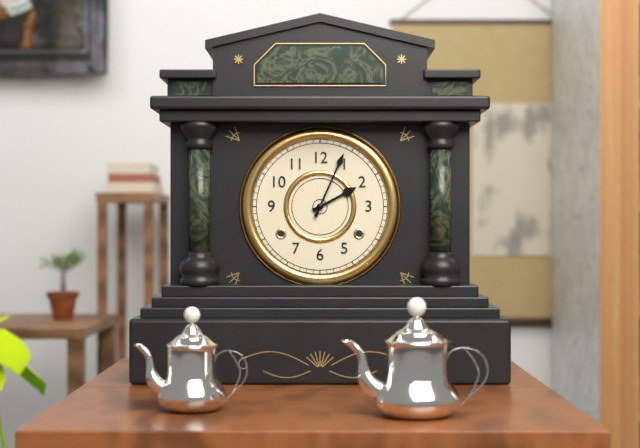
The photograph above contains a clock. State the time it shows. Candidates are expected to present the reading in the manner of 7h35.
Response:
2h04
